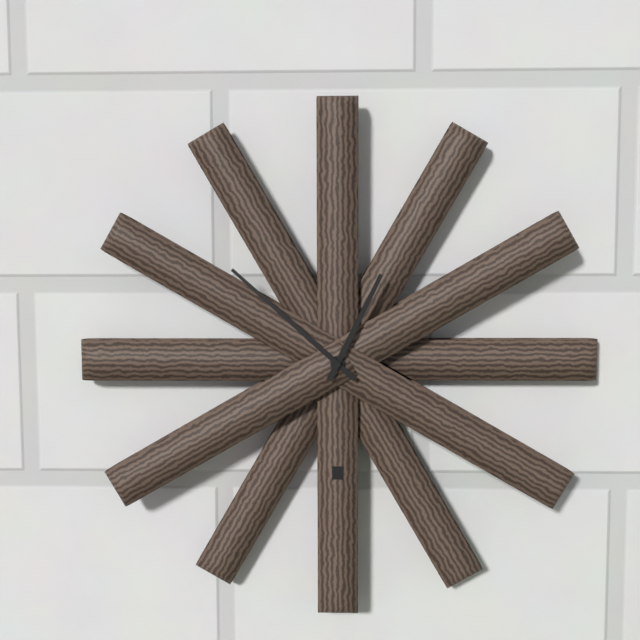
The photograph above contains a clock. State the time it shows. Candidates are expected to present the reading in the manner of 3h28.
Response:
12h52
